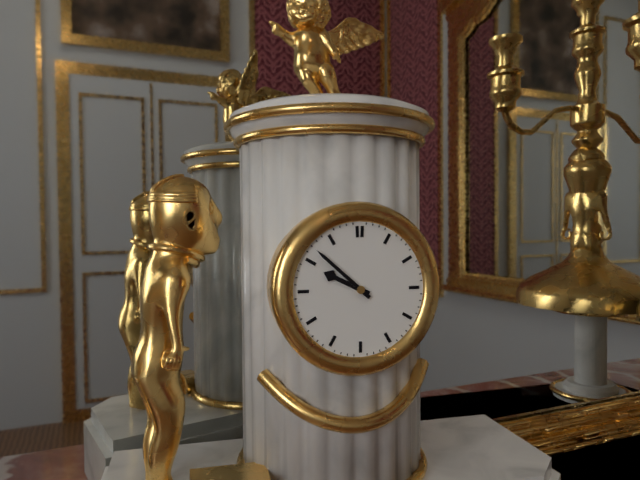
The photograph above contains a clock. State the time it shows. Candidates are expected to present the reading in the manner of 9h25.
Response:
9h52
